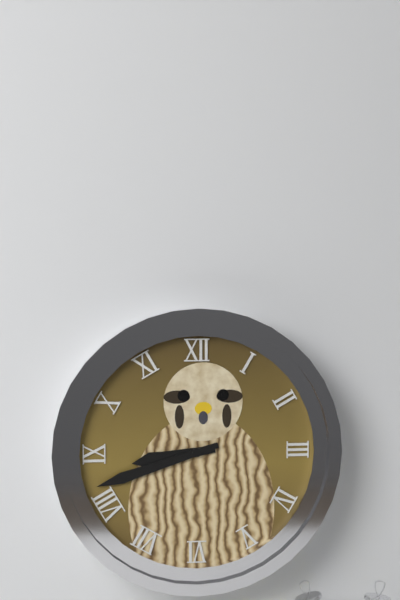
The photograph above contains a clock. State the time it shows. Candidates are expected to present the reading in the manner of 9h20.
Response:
8h42
